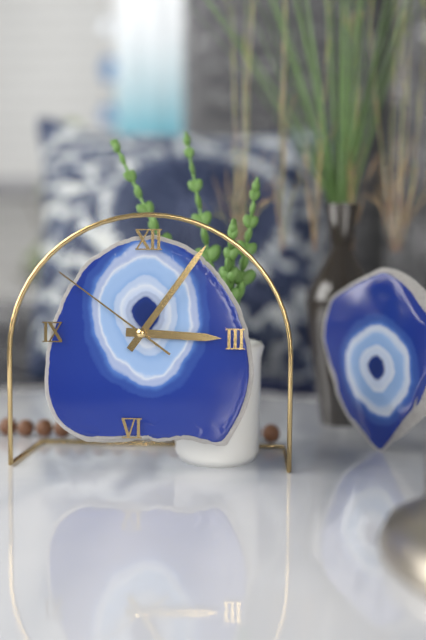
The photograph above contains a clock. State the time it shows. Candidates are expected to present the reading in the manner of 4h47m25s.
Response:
3h06m51s
